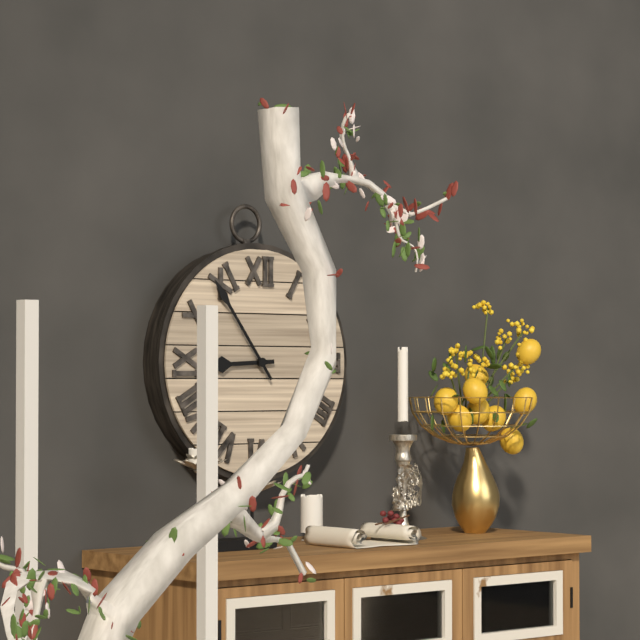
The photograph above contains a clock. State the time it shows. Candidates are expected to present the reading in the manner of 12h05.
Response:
8h54
